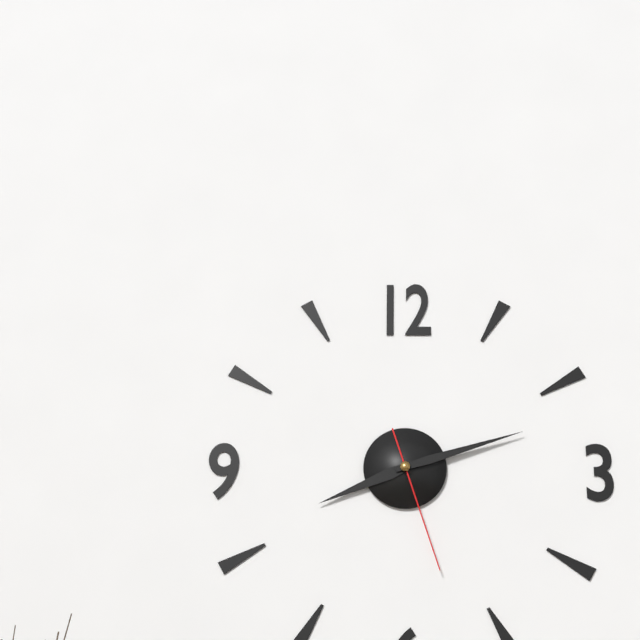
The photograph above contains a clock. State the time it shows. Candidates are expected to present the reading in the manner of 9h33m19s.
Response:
8h12m27s
